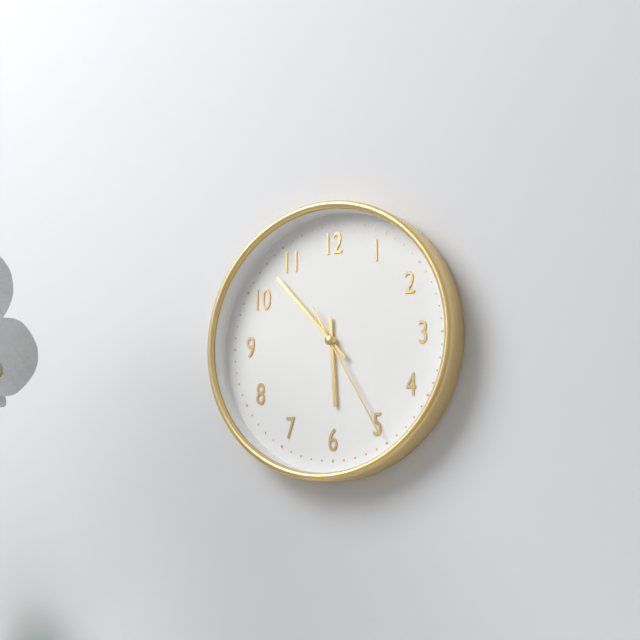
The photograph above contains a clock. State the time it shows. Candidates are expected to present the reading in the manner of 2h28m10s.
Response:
5h53m25s
